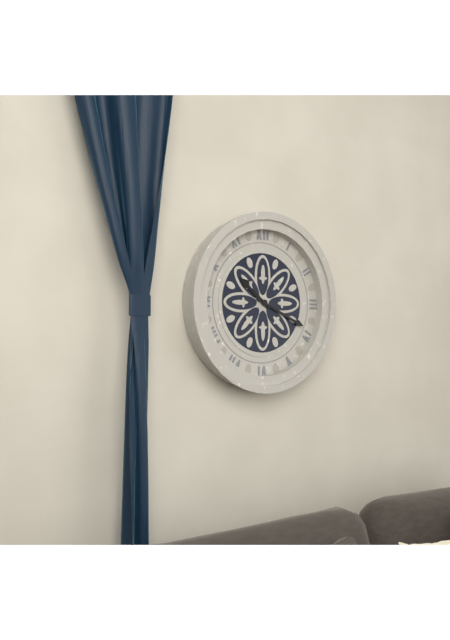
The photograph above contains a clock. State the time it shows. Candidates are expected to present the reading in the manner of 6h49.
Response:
10h19
